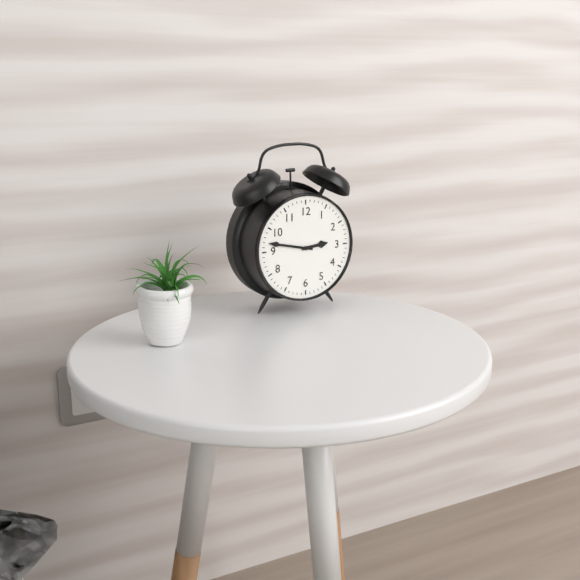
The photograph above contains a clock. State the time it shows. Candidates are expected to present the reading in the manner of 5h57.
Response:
2h47
